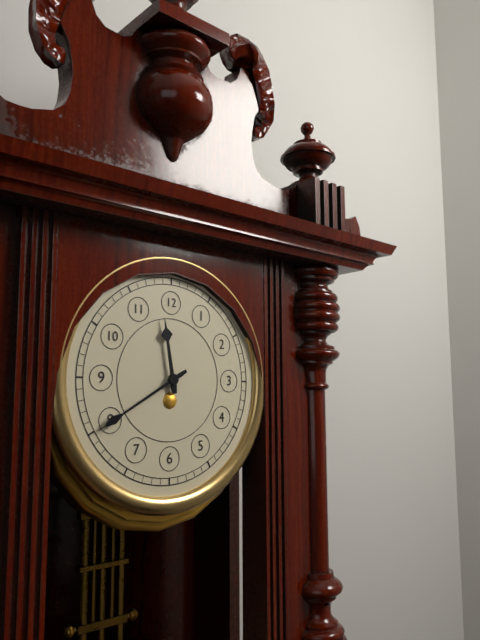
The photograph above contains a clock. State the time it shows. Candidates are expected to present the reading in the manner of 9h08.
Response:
11h40
